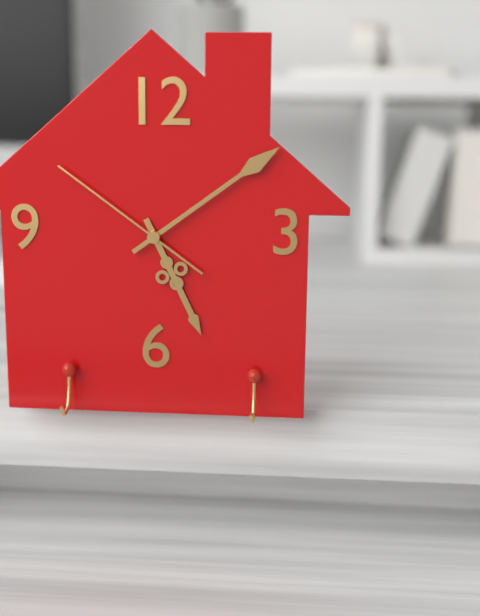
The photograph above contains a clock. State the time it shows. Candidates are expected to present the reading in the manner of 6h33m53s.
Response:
5h09m51s
